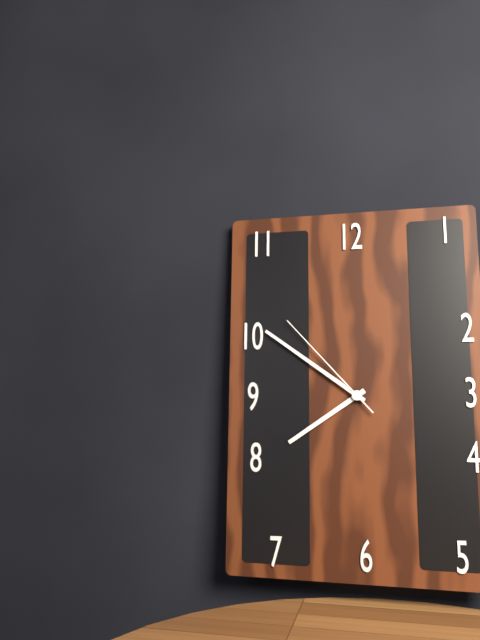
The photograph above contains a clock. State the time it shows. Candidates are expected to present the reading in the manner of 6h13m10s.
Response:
7h51m53s
